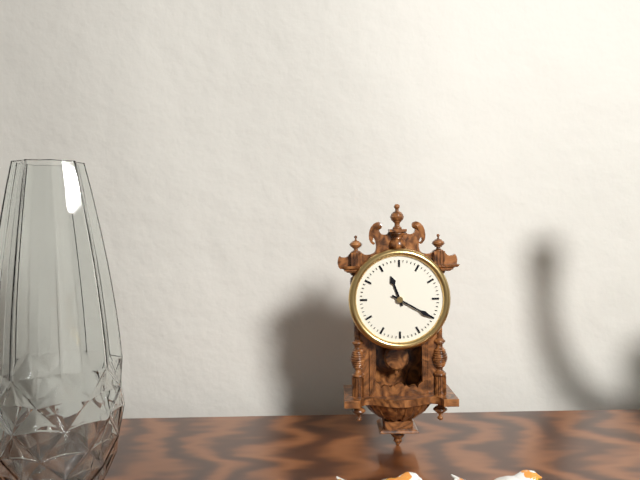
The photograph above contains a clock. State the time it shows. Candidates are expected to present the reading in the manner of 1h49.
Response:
11h20
